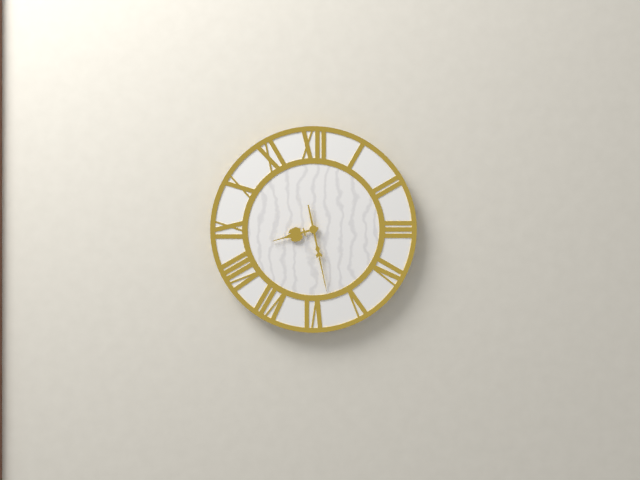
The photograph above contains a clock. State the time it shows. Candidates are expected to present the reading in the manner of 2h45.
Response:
8h28
